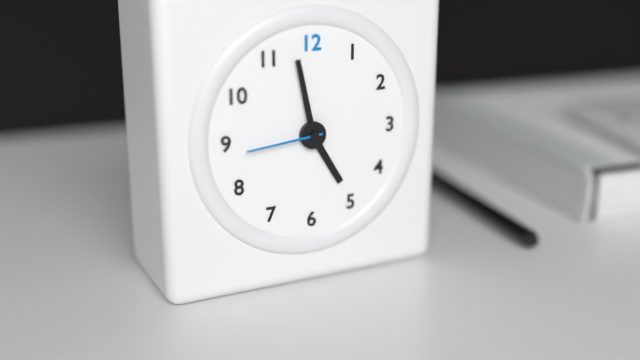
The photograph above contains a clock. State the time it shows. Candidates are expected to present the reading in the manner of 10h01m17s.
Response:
4h58m44s
